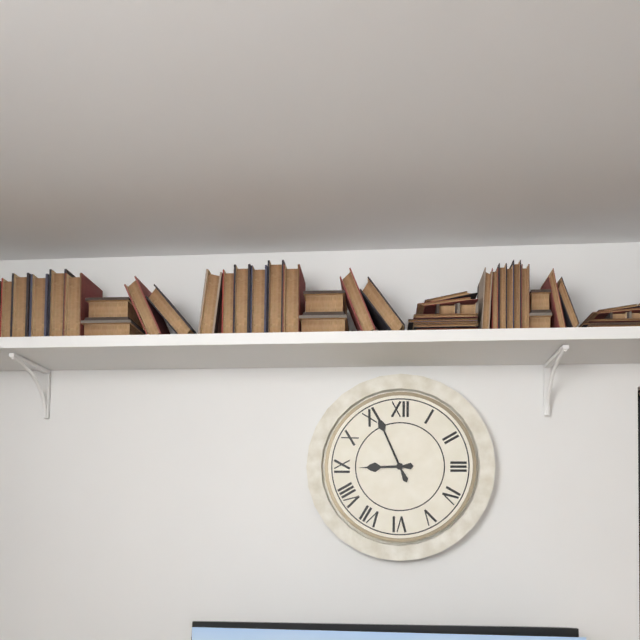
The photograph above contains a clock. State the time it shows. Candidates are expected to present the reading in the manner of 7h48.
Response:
8h56
